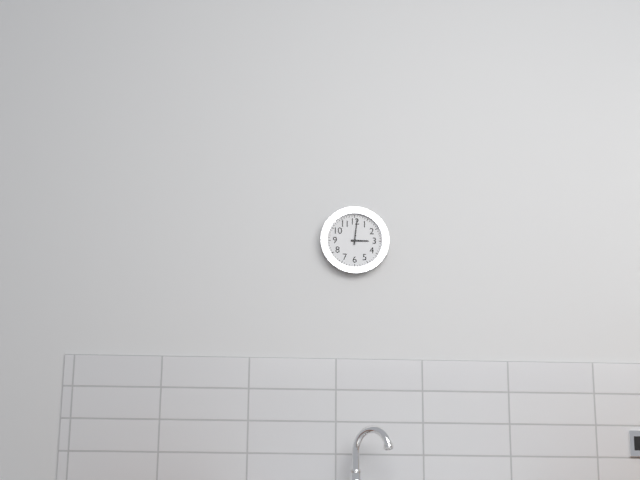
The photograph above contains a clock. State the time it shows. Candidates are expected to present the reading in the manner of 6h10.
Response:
3h01
